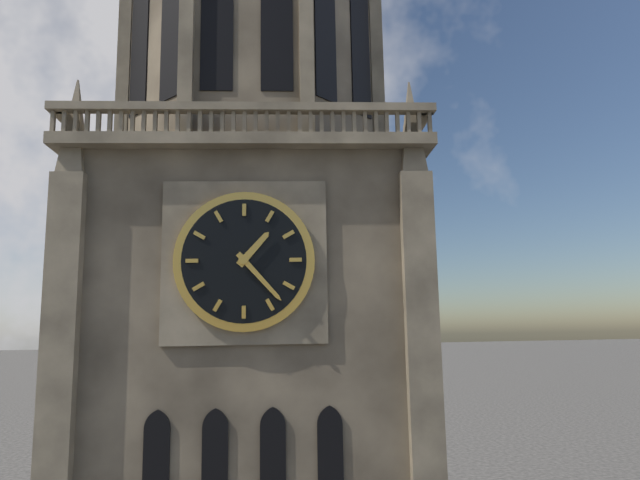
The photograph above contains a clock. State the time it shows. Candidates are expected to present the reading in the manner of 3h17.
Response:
1h23
